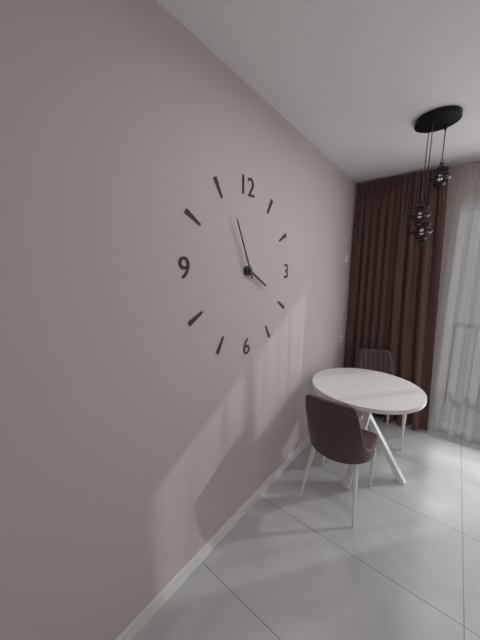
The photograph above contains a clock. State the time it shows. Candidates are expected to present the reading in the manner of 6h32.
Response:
3h56
